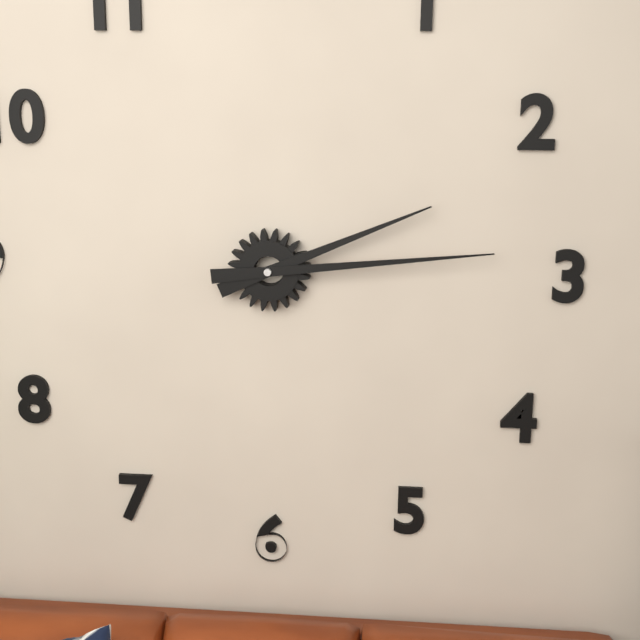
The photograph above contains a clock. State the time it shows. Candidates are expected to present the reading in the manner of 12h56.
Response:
2h14
